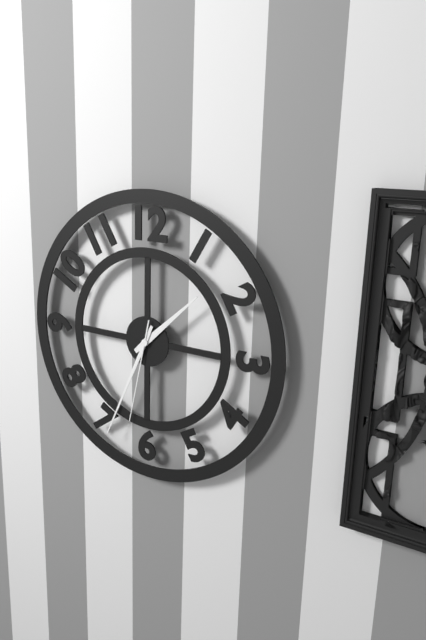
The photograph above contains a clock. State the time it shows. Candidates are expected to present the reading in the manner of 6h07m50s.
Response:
1h34m32s
